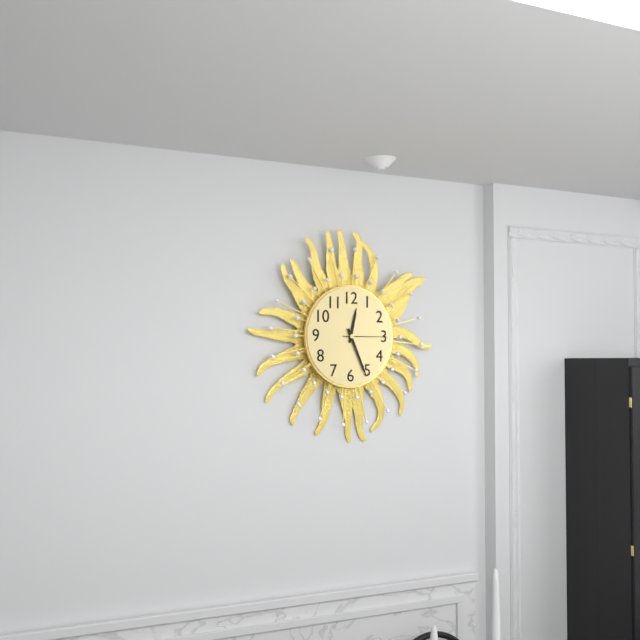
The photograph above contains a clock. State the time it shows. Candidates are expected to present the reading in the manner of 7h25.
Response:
12h26
